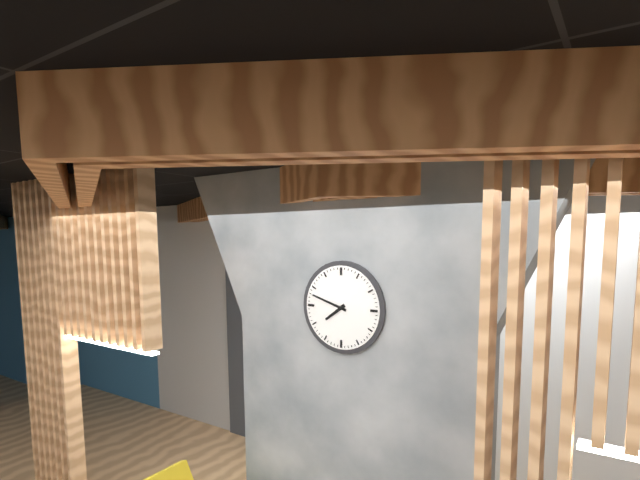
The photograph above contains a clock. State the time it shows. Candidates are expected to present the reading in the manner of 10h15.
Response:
7h48
